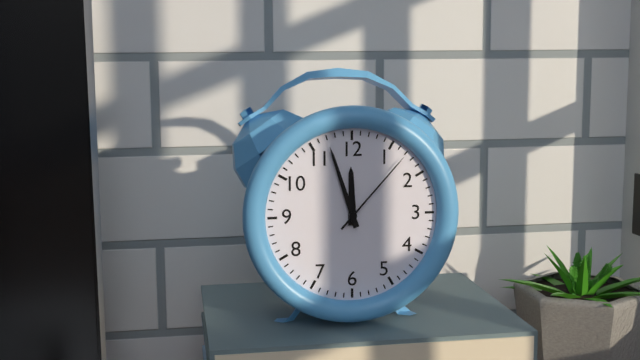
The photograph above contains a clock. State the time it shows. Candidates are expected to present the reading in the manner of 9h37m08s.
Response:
11h57m07s
